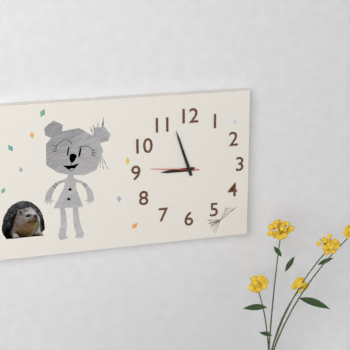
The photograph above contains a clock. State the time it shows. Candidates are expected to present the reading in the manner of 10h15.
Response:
8h57
